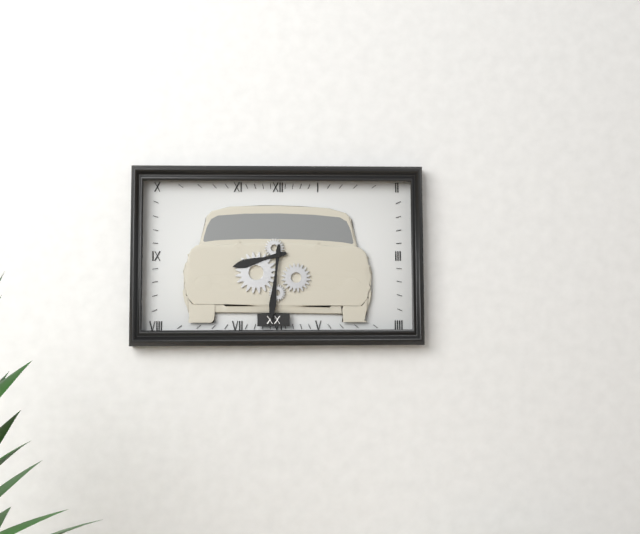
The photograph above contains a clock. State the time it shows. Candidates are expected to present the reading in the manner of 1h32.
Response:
8h31
